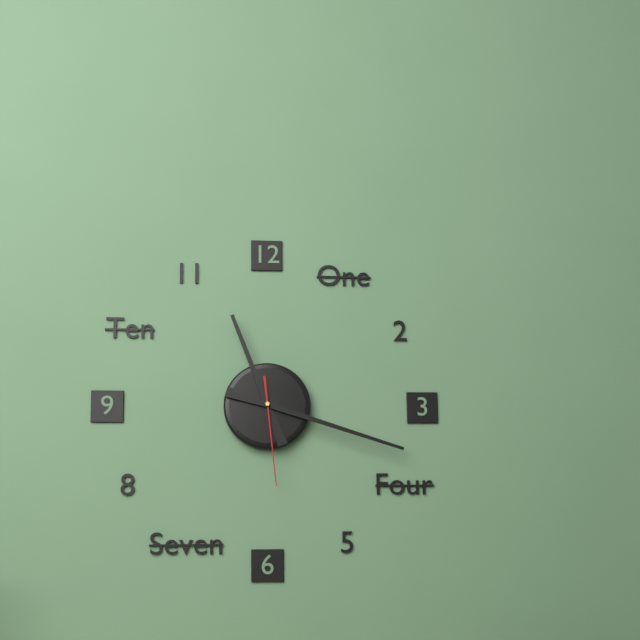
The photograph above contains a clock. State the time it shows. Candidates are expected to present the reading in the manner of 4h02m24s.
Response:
11h18m29s
